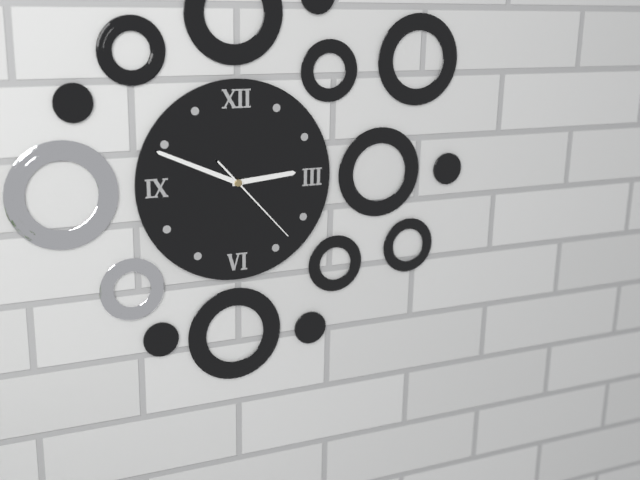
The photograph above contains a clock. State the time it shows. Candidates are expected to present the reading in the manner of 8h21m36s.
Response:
2h49m23s
